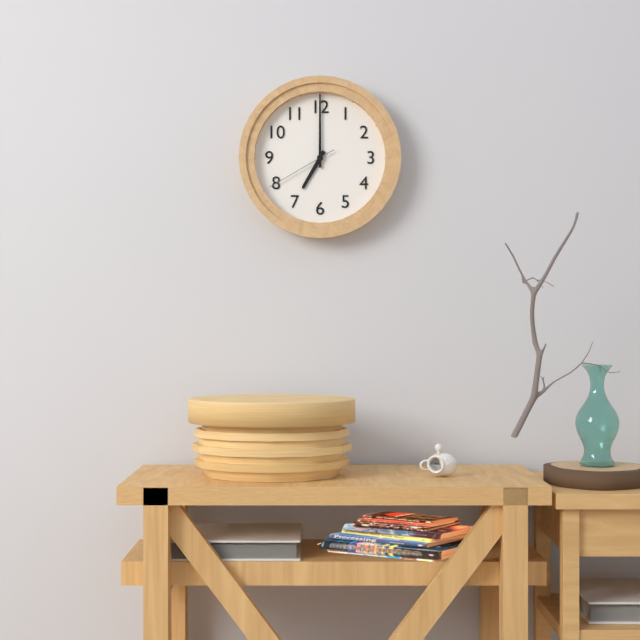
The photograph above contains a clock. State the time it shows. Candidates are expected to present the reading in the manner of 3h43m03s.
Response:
7h00m40s
